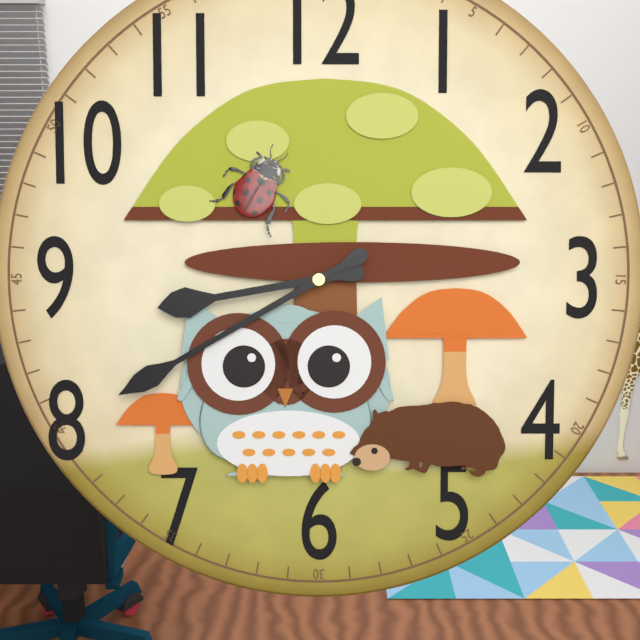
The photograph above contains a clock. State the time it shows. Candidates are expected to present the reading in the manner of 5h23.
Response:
8h40
